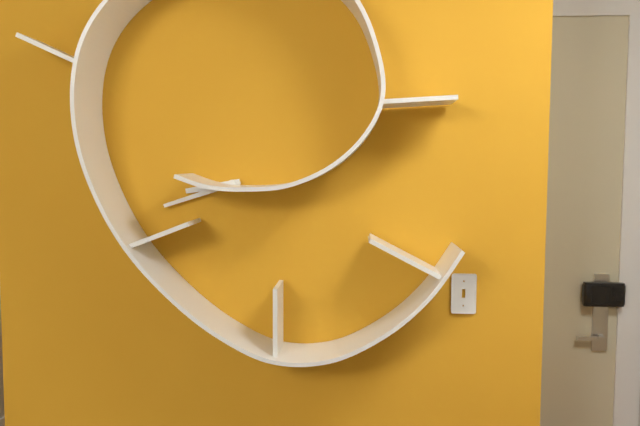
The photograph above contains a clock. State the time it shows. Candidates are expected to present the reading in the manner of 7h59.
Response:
8h42
